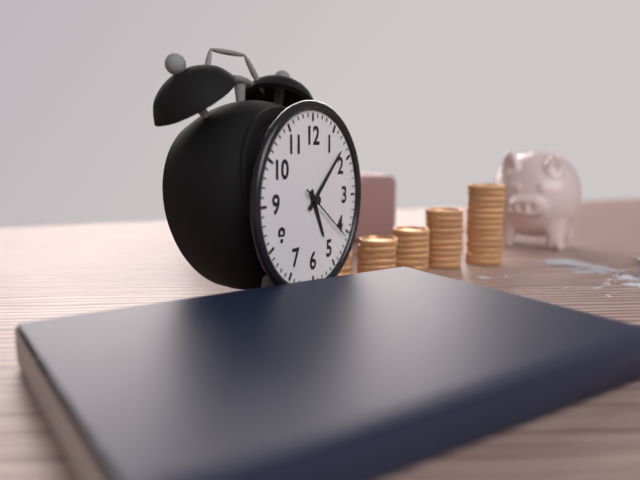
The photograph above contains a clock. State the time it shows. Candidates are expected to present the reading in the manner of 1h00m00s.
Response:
5h08m21s
